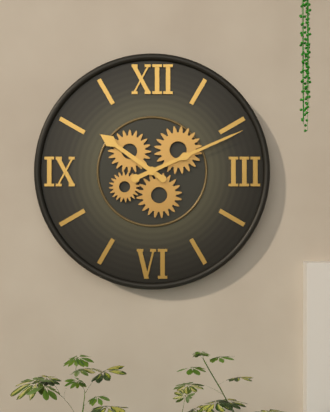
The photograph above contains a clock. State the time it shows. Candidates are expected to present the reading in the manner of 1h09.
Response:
10h11
